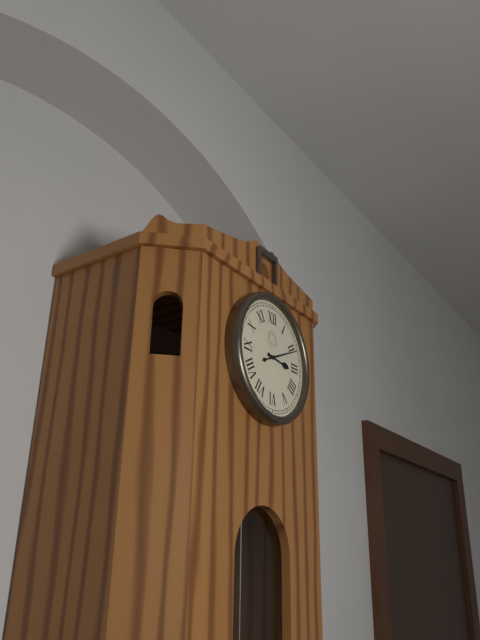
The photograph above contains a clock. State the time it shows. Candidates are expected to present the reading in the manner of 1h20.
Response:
3h11
